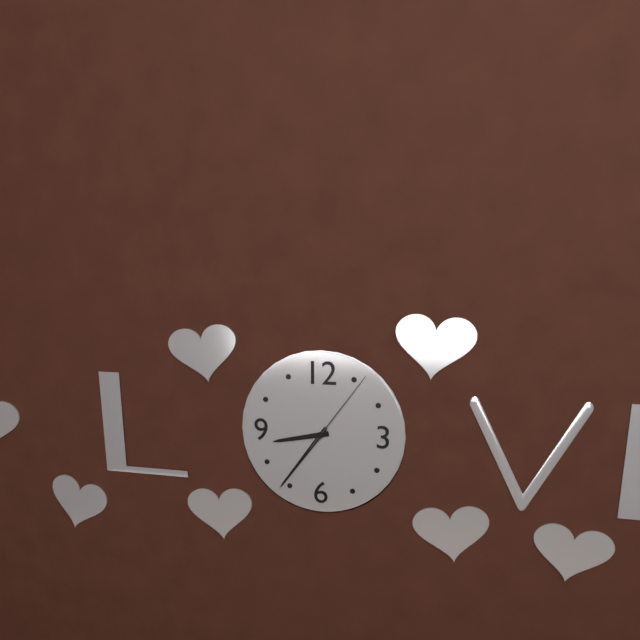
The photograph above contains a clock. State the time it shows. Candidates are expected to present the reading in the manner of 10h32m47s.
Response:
8h36m06s
